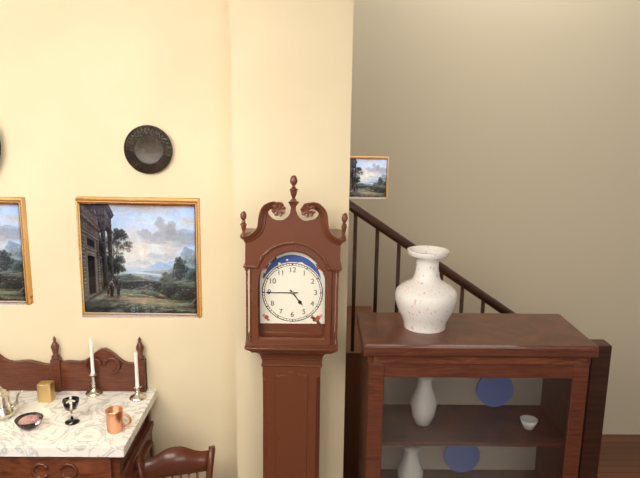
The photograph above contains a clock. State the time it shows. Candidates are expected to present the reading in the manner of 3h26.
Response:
4h45
